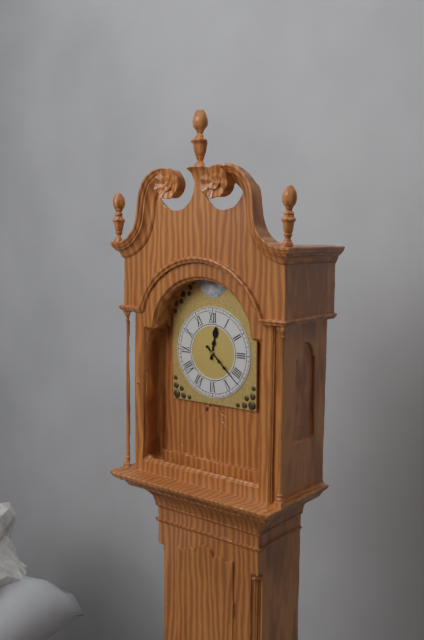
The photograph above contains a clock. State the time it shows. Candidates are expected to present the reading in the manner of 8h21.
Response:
12h22
